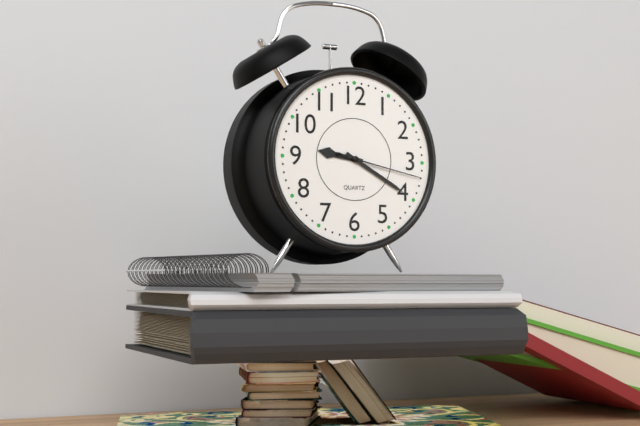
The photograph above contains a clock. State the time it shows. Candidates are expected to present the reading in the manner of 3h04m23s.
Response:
9h20m17s
